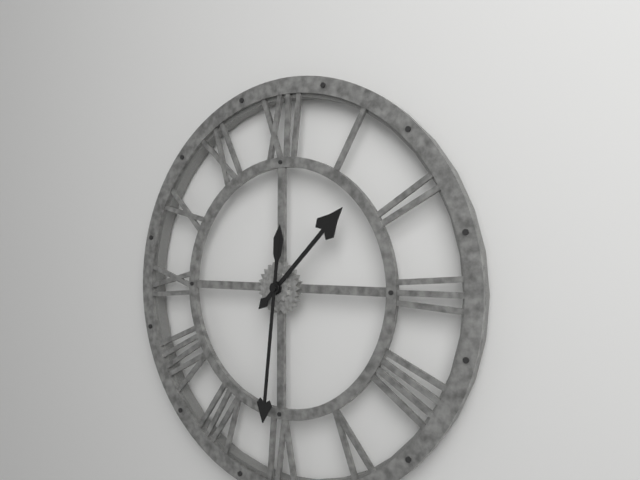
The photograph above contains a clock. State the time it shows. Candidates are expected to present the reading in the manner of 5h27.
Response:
1h31
